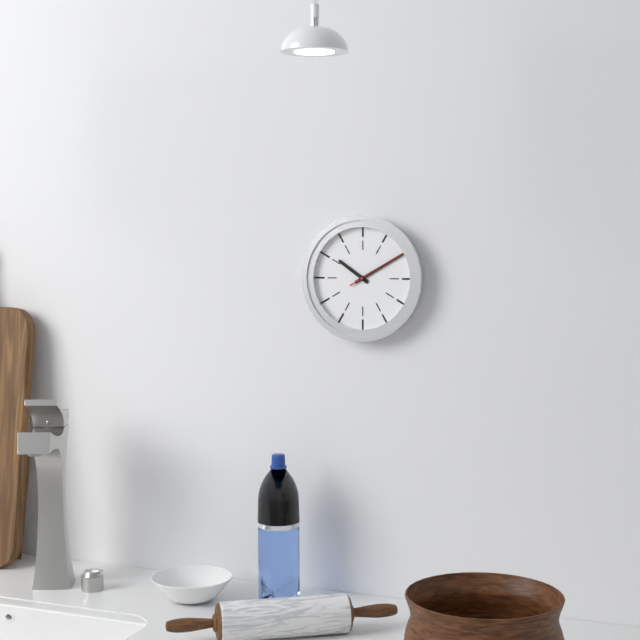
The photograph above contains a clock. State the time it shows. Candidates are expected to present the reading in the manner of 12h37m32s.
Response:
10h10m10s
